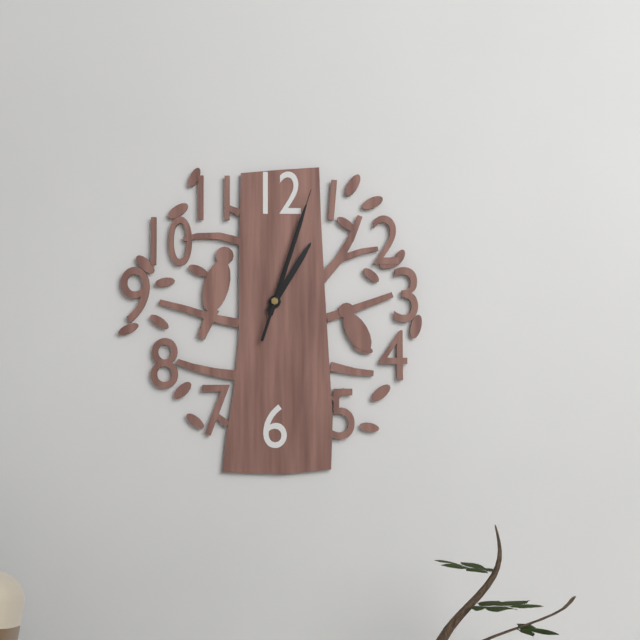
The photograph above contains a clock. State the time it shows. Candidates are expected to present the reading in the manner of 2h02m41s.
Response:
1h03m03s
